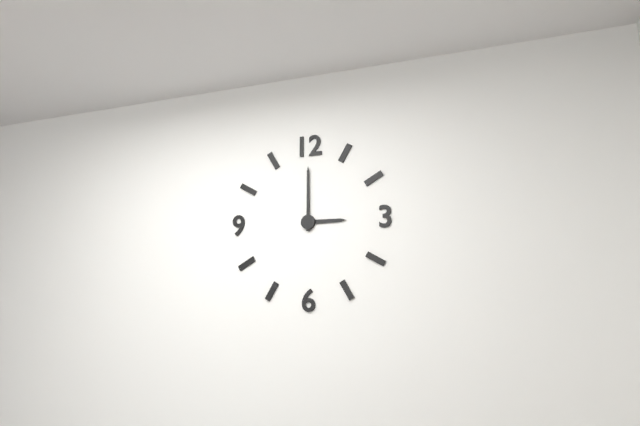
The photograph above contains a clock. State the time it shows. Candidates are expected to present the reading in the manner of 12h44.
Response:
3h00
